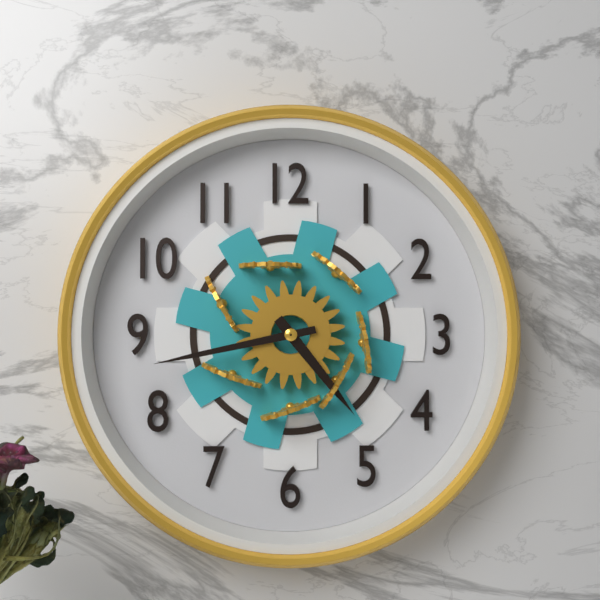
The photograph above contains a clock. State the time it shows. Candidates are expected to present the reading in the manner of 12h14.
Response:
4h43
